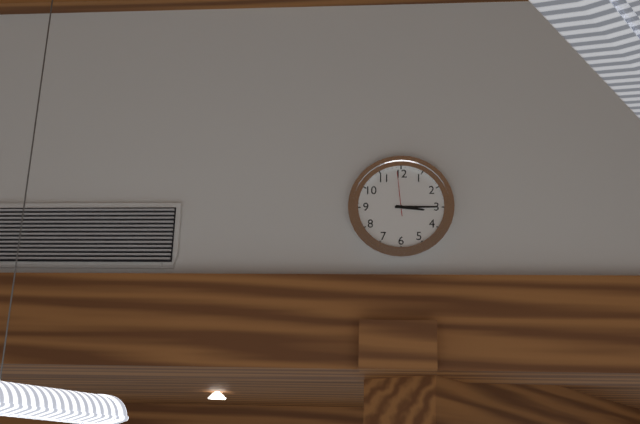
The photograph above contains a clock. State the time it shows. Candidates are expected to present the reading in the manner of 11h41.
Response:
3h15
